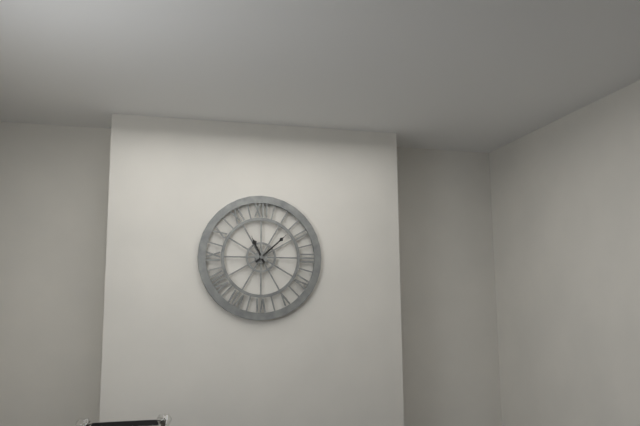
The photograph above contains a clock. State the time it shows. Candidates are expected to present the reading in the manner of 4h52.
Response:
11h08
